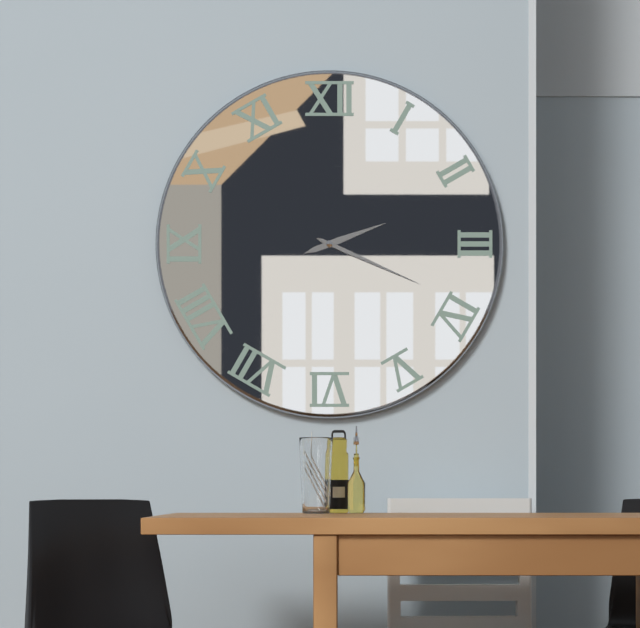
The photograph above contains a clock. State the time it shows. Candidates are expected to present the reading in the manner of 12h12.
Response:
2h19
